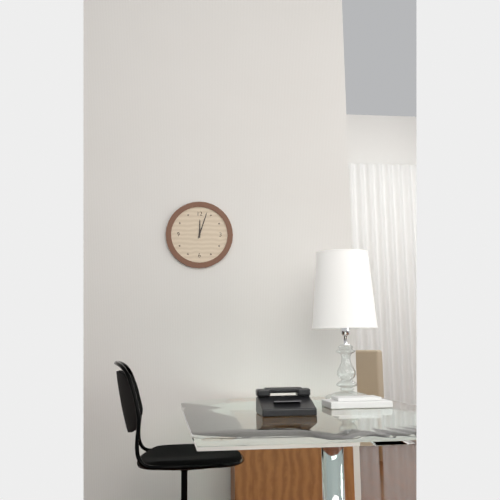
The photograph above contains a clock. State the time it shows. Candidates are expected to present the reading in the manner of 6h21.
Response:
12h03
